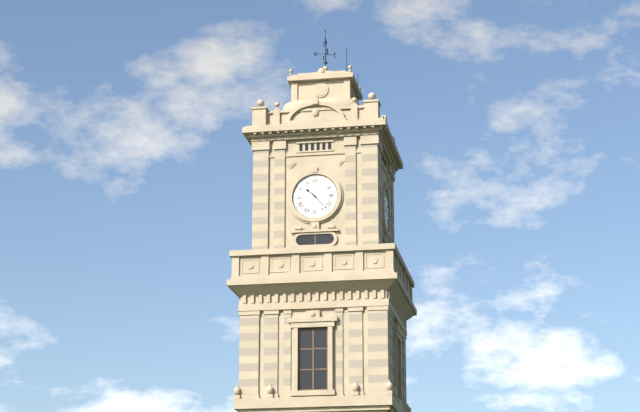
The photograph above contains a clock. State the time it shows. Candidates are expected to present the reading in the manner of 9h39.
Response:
10h23
